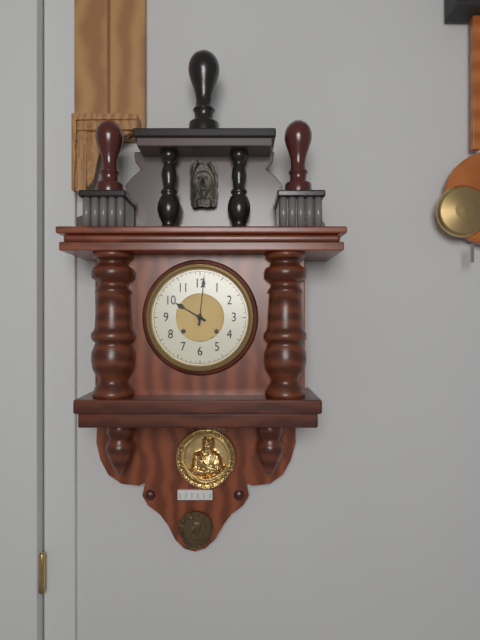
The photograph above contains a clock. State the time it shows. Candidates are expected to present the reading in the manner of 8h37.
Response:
10h01
